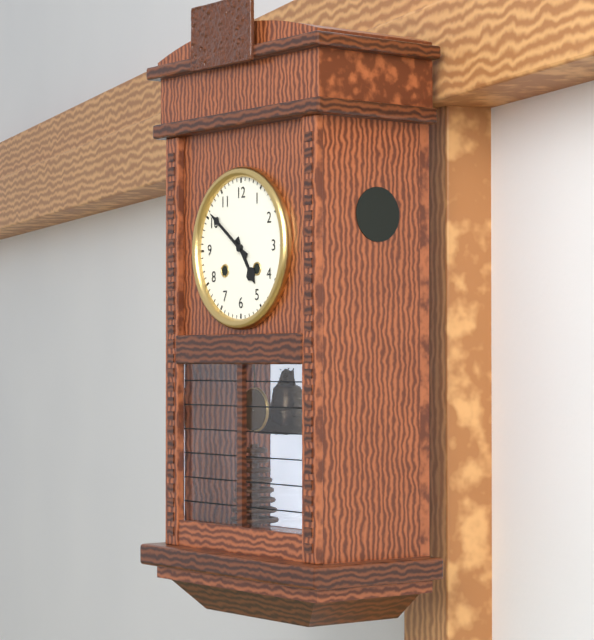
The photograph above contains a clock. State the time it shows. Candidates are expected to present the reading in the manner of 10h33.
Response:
4h51
